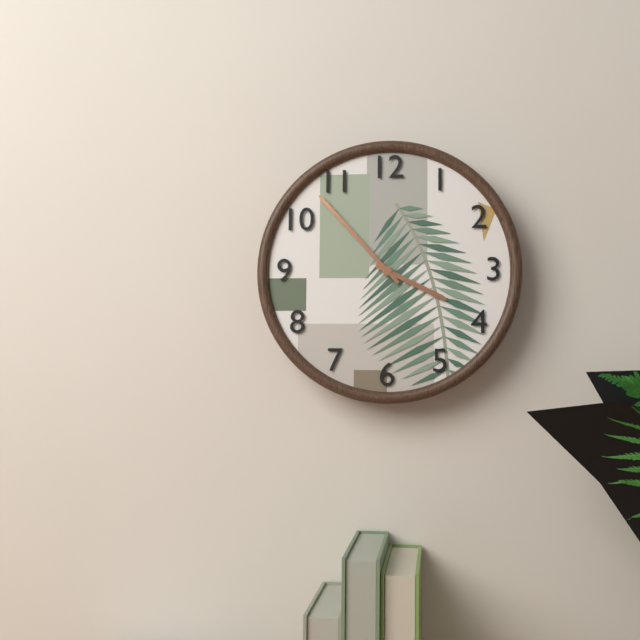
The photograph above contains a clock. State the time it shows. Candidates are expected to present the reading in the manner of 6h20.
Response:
3h53
